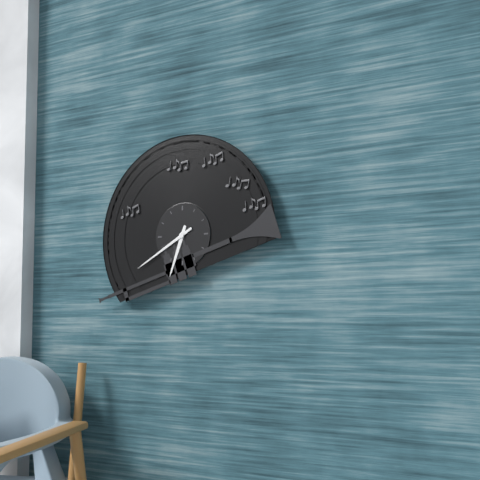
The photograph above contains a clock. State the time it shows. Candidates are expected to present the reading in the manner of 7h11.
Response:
6h40
